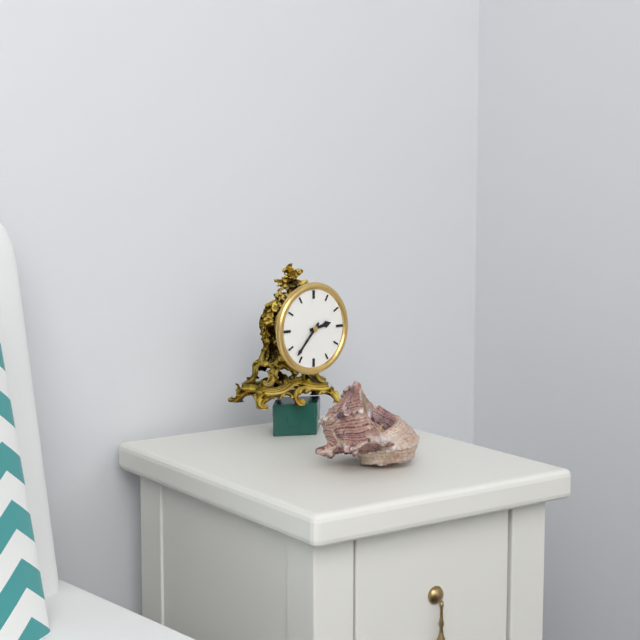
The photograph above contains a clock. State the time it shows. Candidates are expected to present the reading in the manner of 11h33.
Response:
2h37
